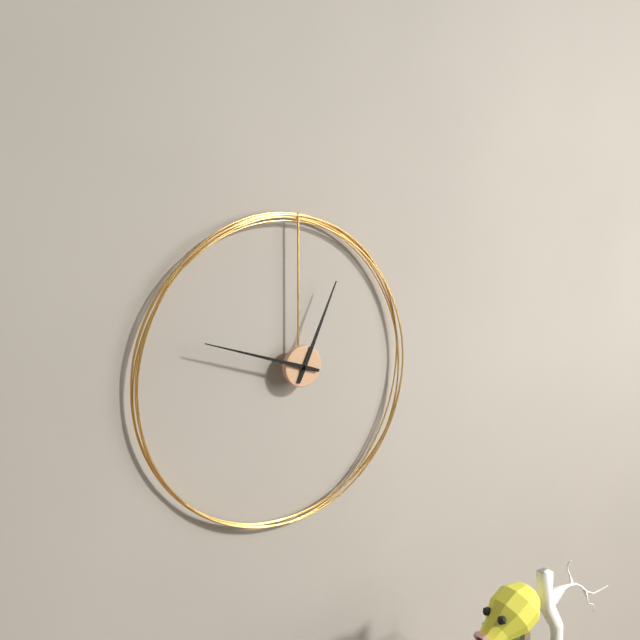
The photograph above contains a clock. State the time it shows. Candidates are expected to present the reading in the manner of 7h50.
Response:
12h48
